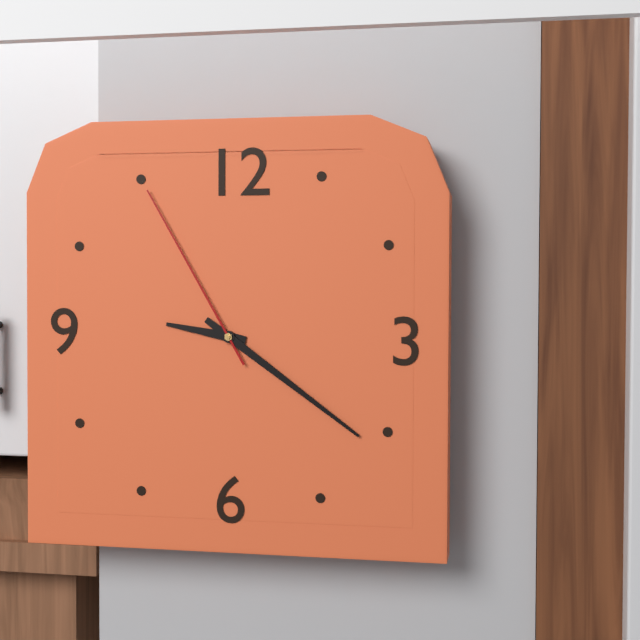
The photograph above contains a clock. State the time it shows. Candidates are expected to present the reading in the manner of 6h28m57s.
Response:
9h21m55s
